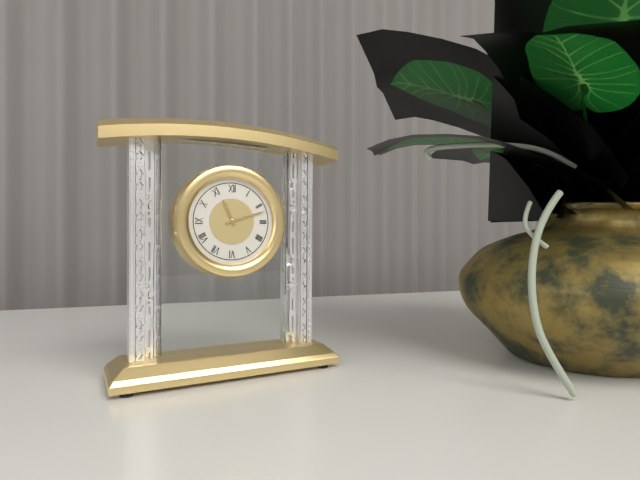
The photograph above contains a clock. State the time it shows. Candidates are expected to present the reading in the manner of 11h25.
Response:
11h12
